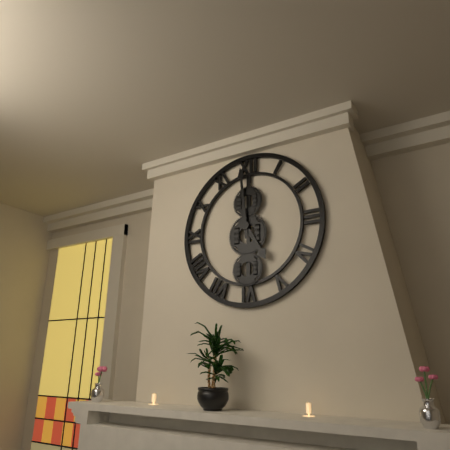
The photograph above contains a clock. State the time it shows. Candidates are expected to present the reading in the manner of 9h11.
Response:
4h59
